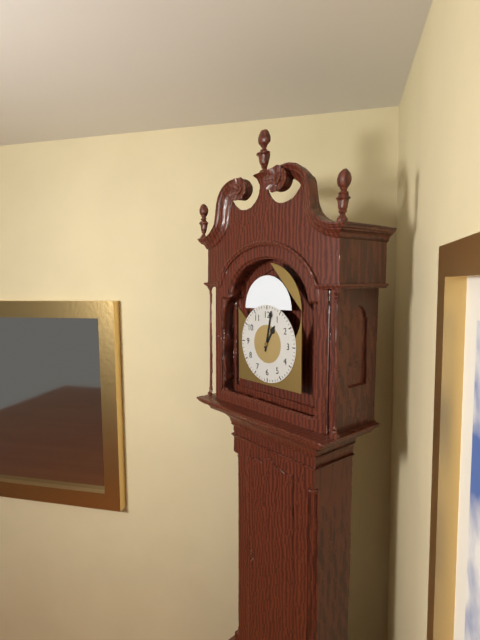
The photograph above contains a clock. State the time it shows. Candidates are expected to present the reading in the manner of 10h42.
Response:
1h02
